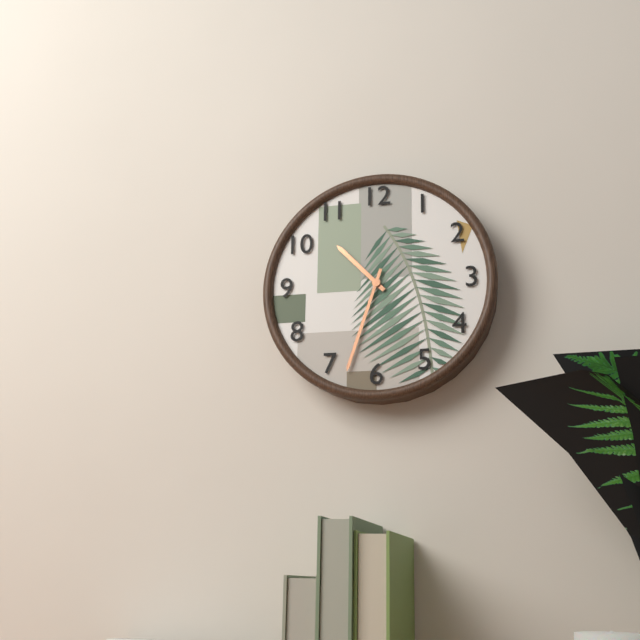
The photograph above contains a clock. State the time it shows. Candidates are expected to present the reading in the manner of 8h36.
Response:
10h33
